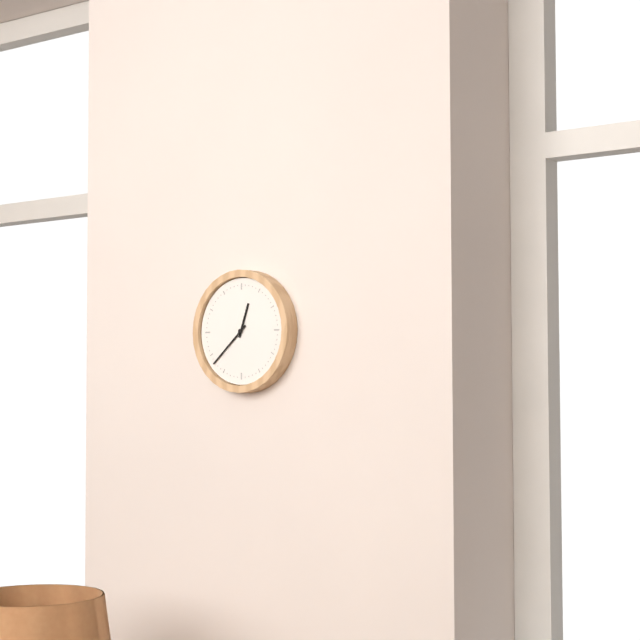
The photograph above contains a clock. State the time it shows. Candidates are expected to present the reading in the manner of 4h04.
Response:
12h38
